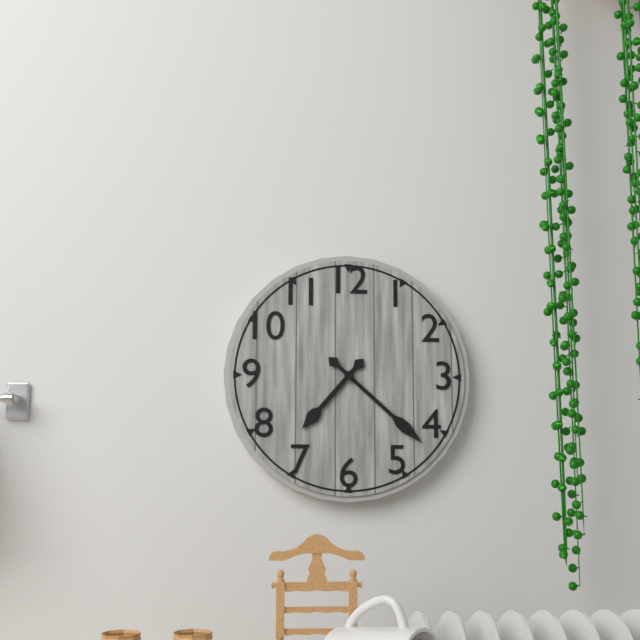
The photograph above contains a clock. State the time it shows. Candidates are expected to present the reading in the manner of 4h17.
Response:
7h22
